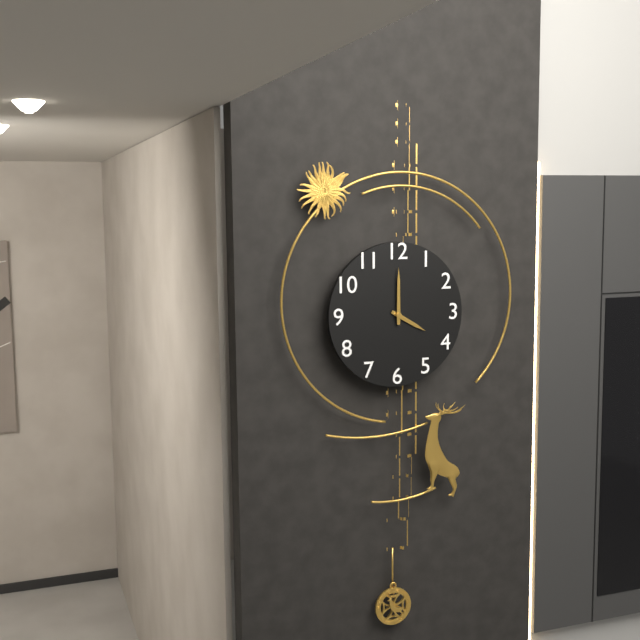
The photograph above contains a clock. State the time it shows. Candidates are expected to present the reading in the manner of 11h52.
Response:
4h00
